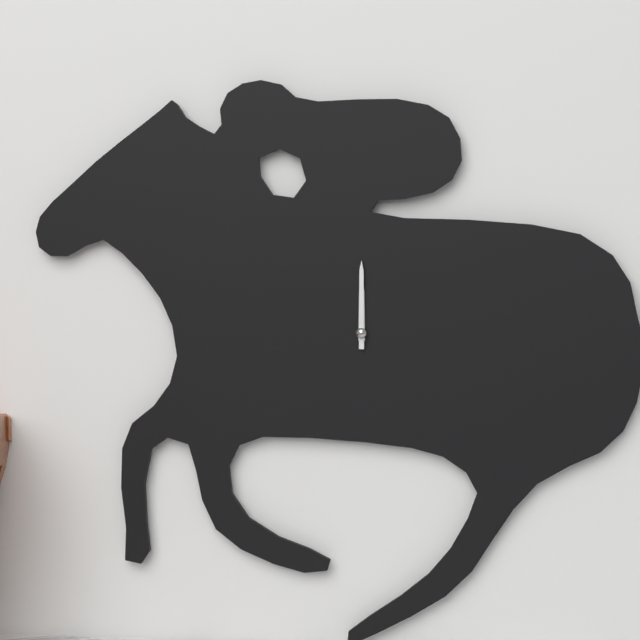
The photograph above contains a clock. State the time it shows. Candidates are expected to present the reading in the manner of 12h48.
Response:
12h00
